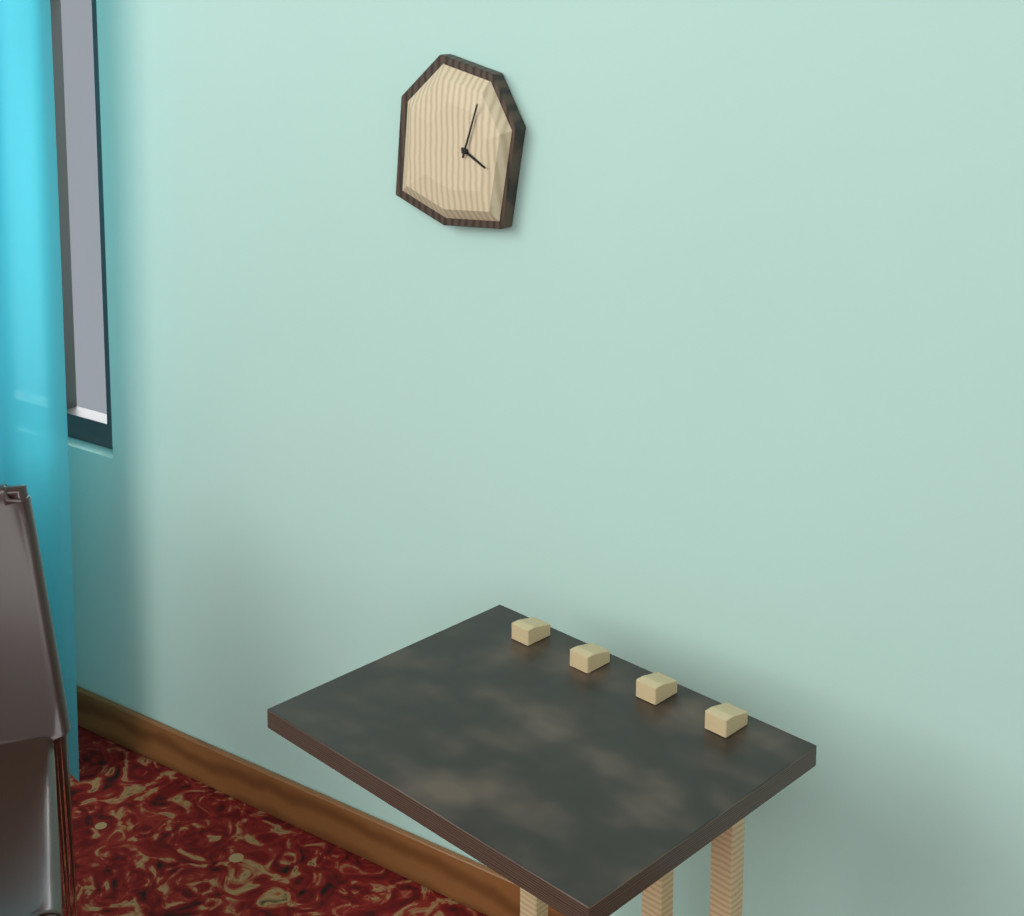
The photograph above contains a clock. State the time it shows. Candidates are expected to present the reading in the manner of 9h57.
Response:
4h03
